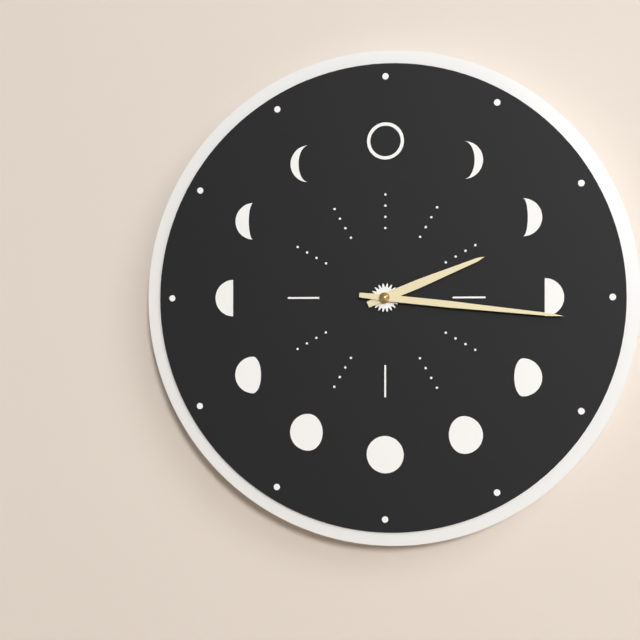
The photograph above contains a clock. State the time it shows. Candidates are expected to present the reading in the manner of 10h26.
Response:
2h16
